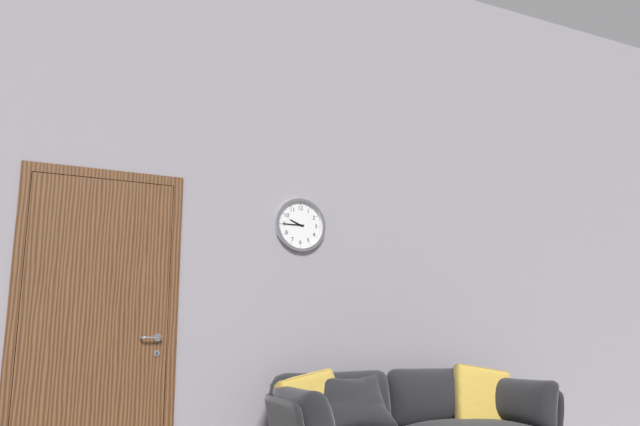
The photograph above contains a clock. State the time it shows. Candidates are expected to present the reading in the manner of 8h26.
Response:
9h45
